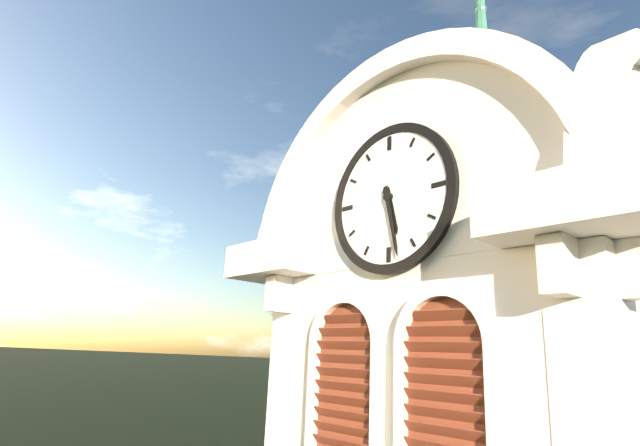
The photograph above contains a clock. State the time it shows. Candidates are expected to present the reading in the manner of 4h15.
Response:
5h28
